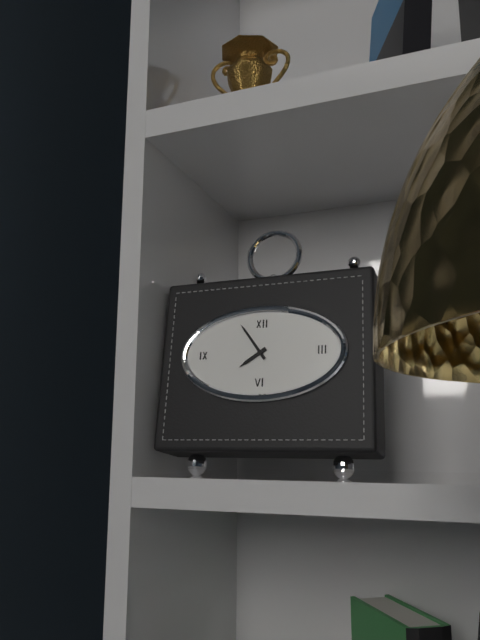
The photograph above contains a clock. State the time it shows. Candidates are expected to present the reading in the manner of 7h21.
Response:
7h54
